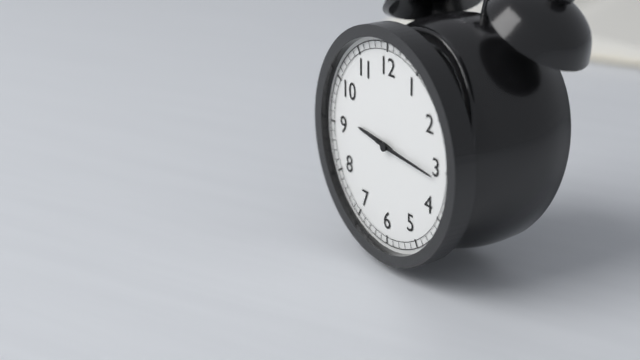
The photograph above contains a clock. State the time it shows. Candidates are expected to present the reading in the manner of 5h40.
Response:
9h16
